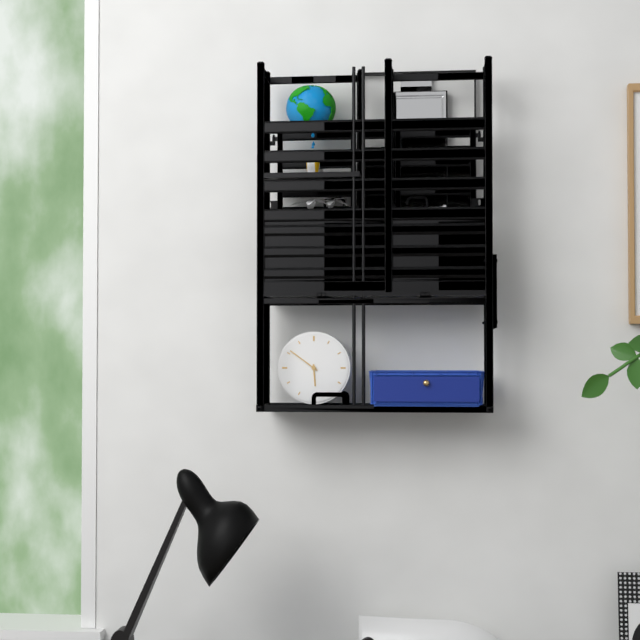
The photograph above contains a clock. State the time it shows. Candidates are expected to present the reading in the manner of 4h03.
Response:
5h51
